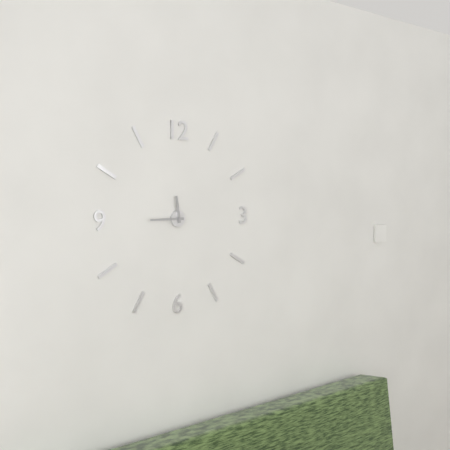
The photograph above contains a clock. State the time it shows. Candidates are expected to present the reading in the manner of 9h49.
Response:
11h45
